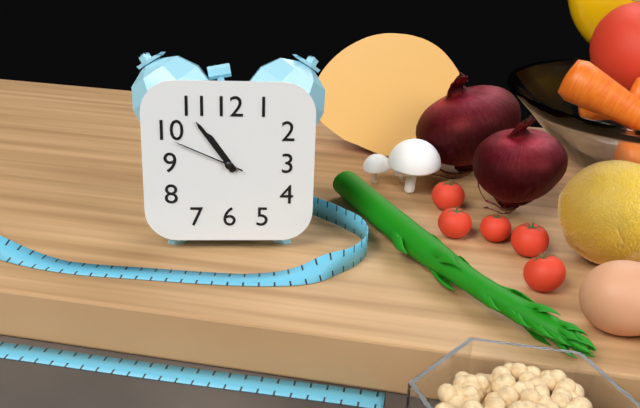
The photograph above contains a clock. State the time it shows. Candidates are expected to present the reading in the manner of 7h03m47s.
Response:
10h54m49s
